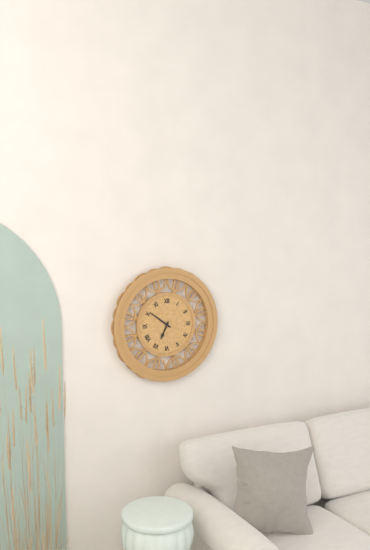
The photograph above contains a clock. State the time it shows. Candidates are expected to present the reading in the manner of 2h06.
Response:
6h51
